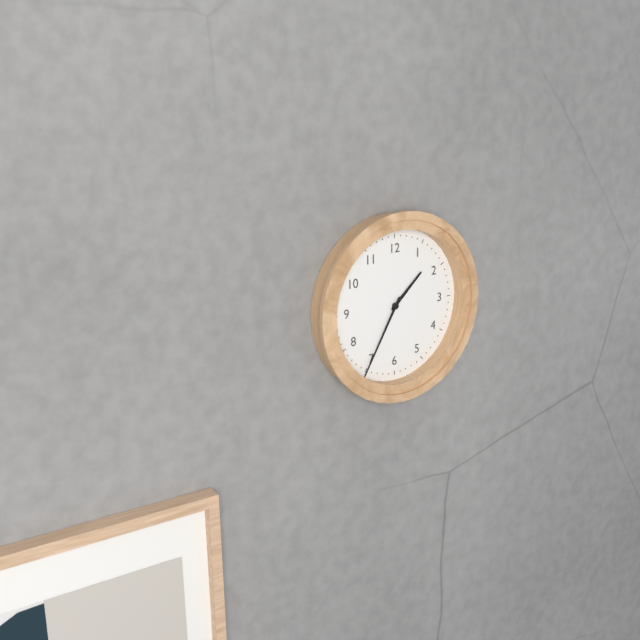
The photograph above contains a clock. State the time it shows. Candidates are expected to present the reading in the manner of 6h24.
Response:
1h35
